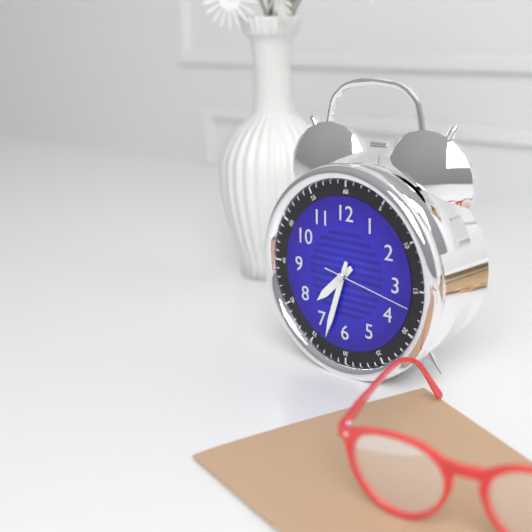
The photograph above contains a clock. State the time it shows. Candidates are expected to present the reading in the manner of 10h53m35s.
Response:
7h33m17s
